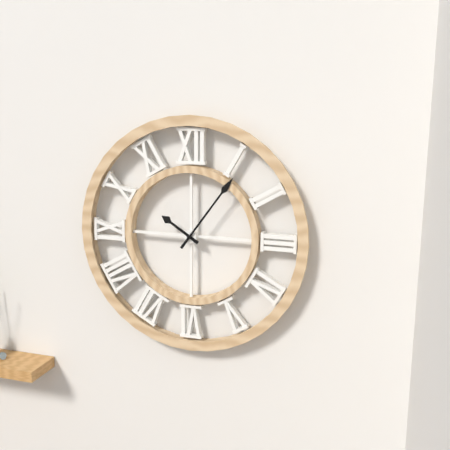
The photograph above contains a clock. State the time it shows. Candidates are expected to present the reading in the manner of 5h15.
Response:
10h06
